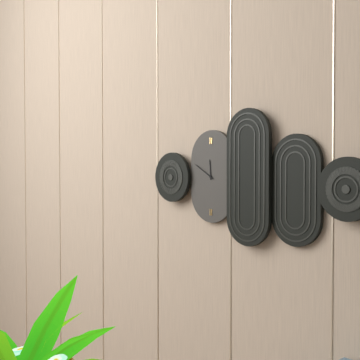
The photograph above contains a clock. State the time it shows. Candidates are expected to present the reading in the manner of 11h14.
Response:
11h50
